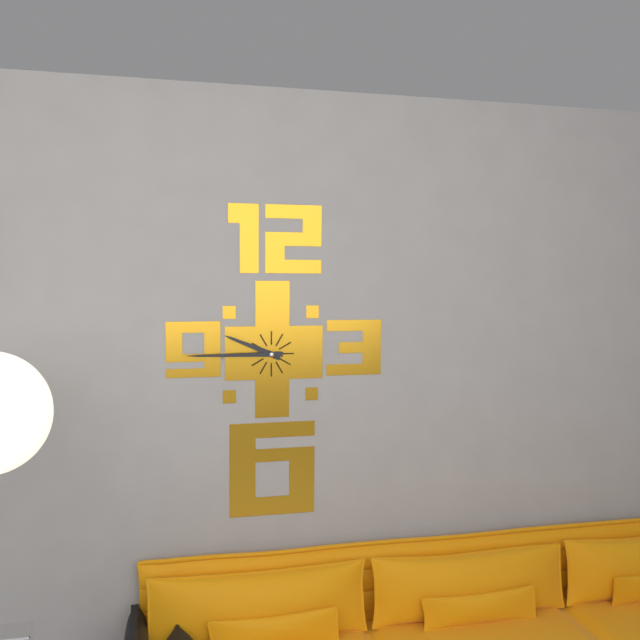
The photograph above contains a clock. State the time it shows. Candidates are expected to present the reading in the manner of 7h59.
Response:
9h45
